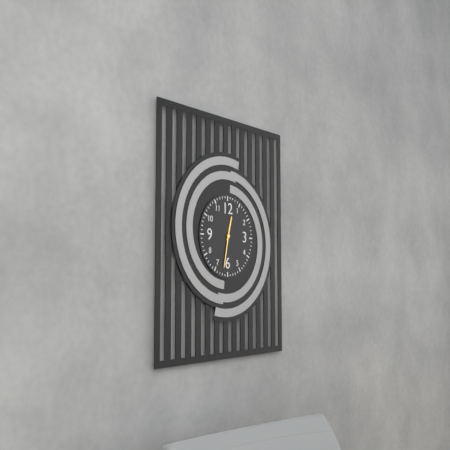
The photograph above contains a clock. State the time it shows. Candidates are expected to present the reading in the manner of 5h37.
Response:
12h32
